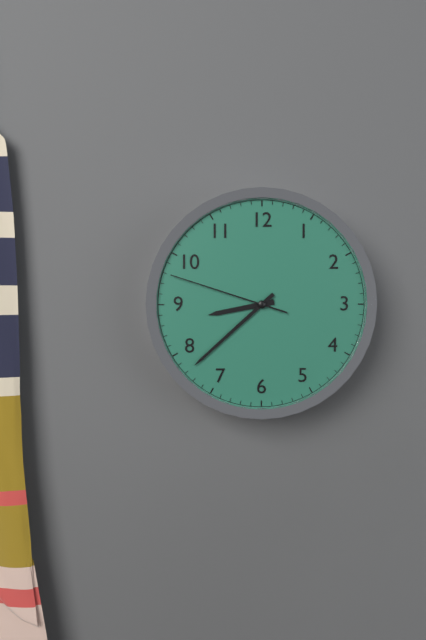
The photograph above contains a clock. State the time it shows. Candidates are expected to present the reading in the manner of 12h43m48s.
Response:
8h38m48s
